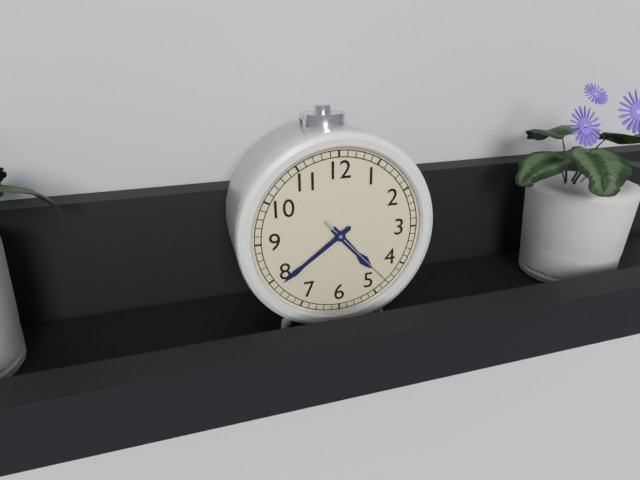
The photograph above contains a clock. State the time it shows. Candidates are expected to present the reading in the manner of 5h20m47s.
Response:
4h39m23s
